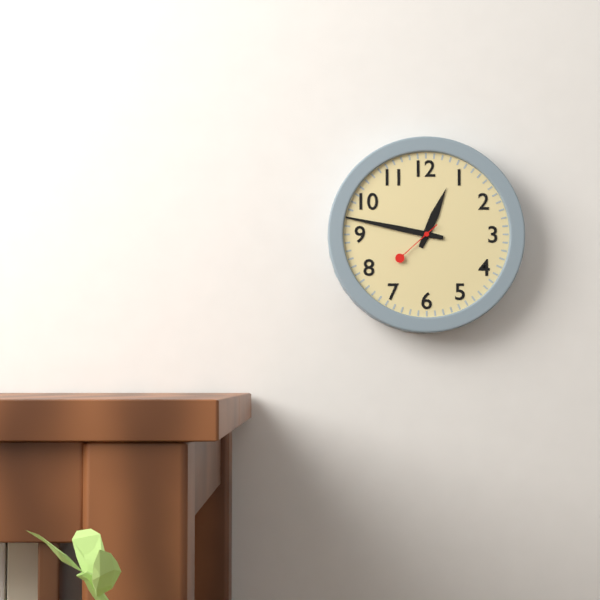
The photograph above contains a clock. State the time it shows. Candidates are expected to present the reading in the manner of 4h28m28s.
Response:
12h47m38s
